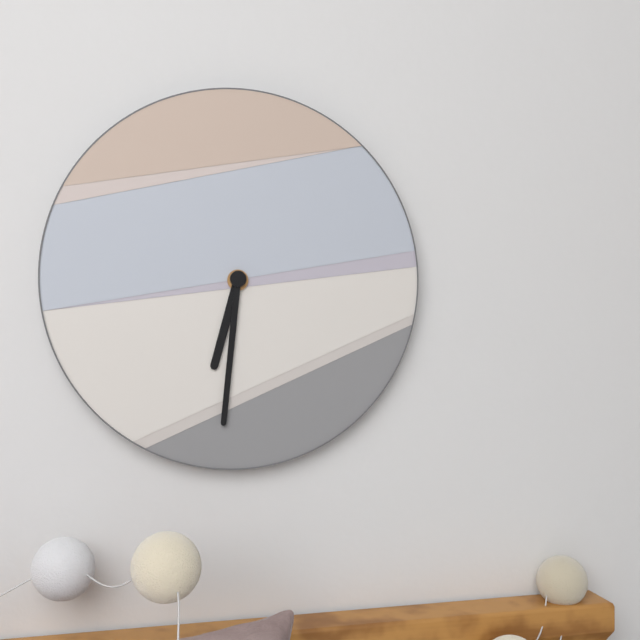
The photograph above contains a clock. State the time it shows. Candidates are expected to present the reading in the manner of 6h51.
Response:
6h31
